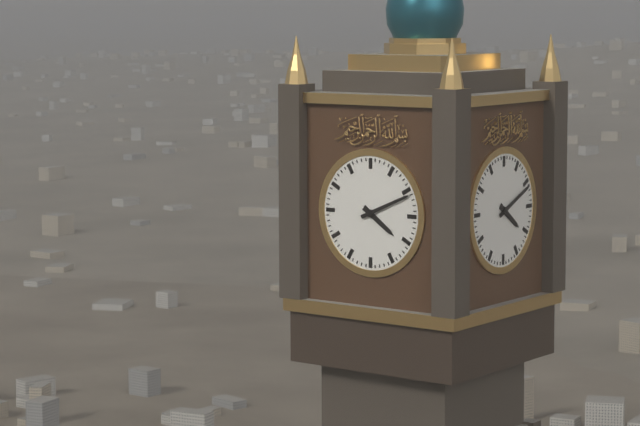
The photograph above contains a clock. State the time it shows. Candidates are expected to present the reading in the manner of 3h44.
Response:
4h11
